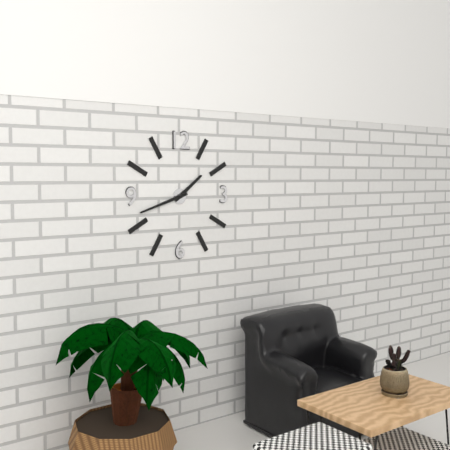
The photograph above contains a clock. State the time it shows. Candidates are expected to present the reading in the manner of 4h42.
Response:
1h42
